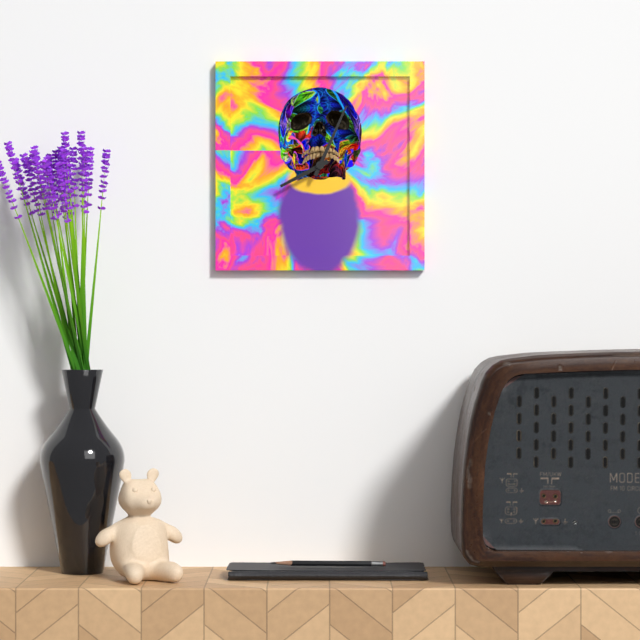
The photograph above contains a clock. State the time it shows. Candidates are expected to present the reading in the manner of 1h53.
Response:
8h04
